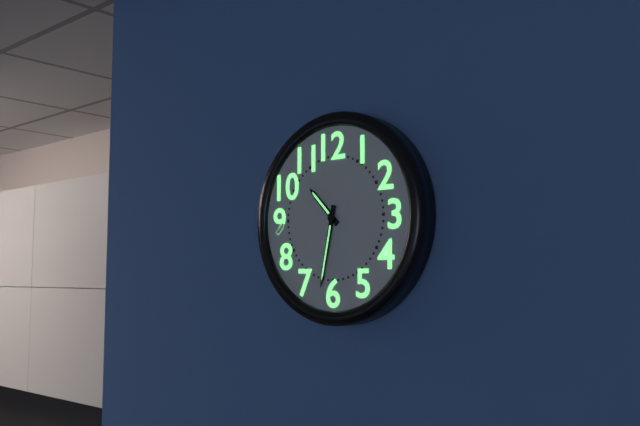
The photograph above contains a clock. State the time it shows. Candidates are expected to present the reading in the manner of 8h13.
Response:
10h32
